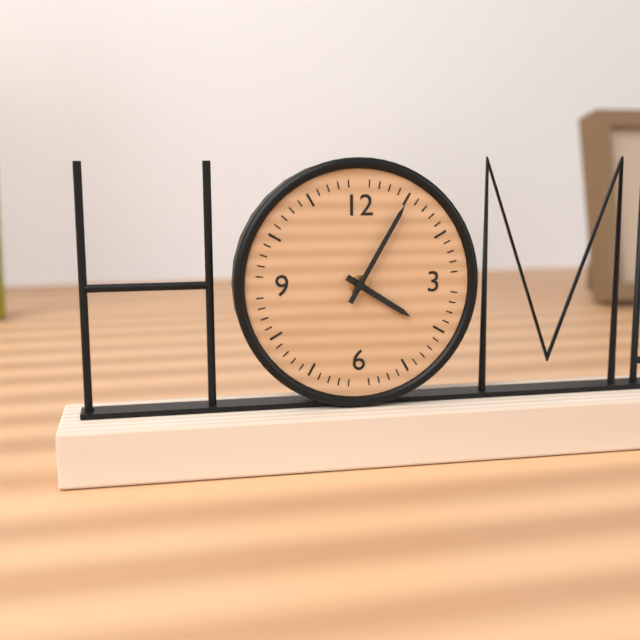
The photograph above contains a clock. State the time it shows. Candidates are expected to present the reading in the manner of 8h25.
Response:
4h05
